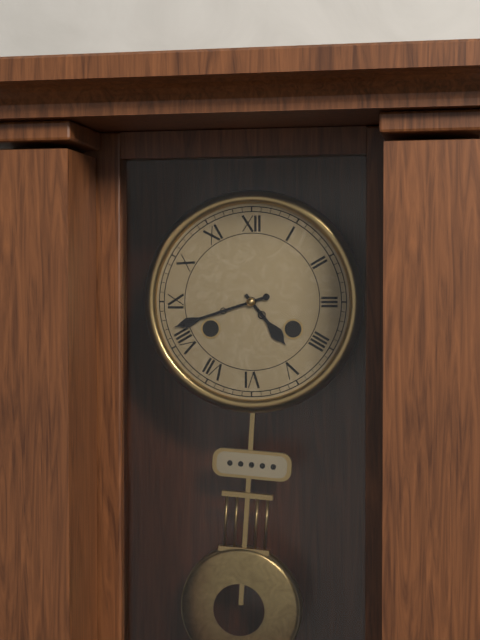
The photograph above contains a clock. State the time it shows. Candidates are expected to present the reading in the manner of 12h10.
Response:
4h42
